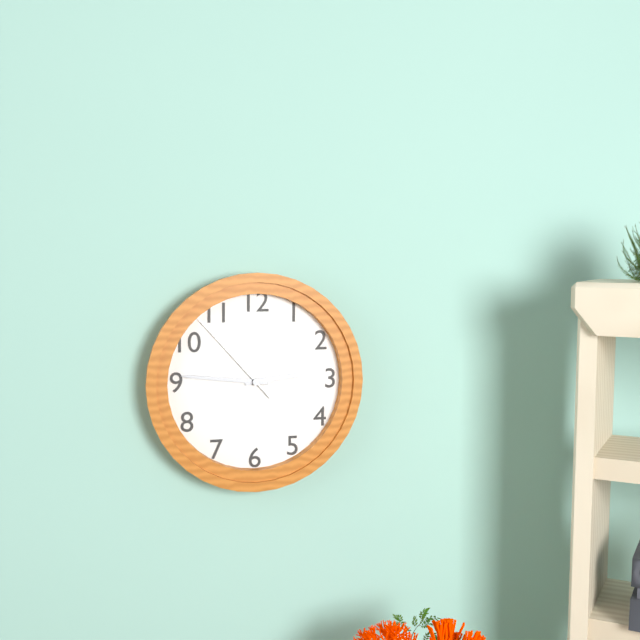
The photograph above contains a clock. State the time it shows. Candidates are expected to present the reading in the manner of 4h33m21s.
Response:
2h46m53s
